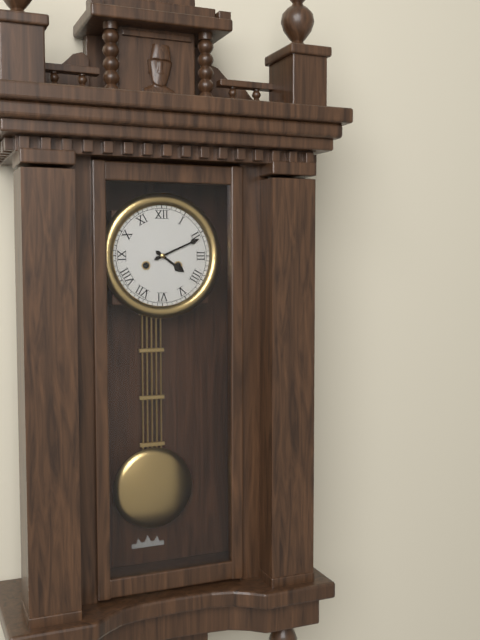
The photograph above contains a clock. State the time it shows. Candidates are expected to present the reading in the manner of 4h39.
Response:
4h11
